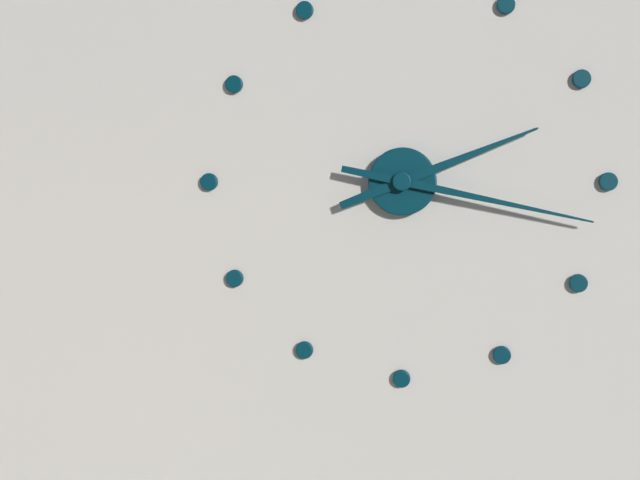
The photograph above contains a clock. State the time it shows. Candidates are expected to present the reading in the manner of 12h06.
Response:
2h17
